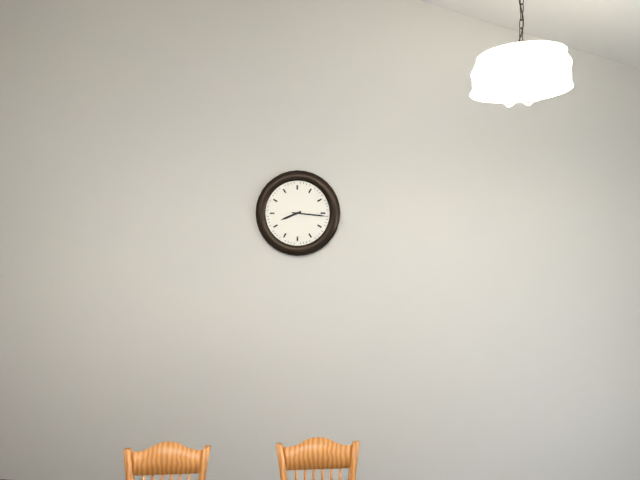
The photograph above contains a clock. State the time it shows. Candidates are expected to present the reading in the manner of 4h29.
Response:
8h16
